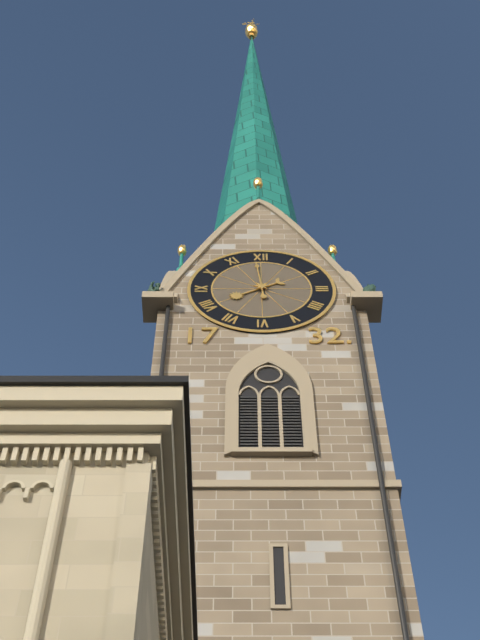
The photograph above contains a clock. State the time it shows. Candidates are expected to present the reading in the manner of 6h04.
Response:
7h59
